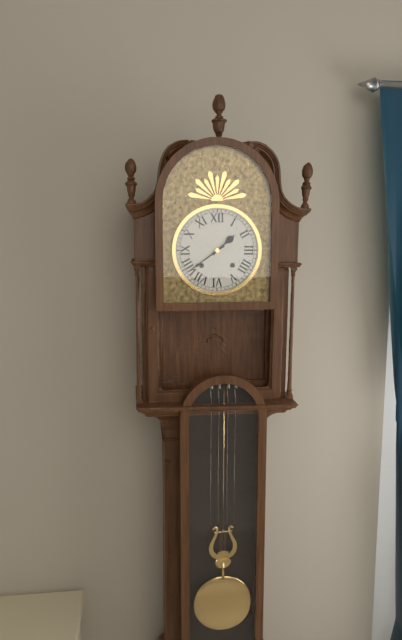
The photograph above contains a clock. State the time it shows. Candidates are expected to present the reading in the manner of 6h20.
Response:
1h39
